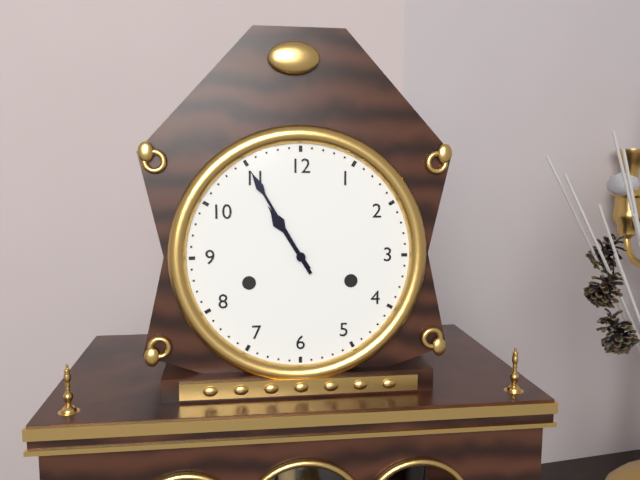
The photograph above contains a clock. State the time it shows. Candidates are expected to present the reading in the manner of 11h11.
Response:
10h55
